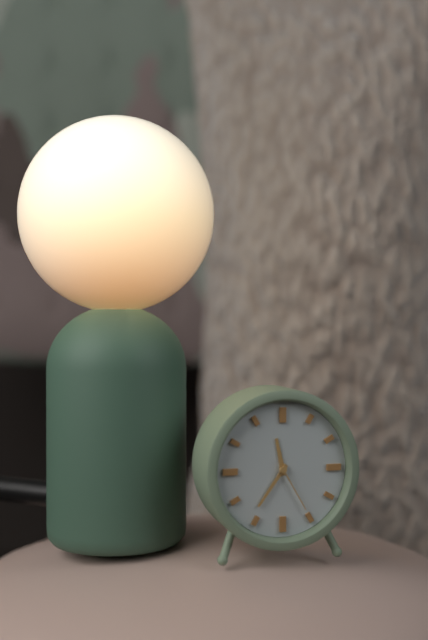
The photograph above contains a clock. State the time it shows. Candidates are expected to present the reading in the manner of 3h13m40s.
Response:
11h36m25s
